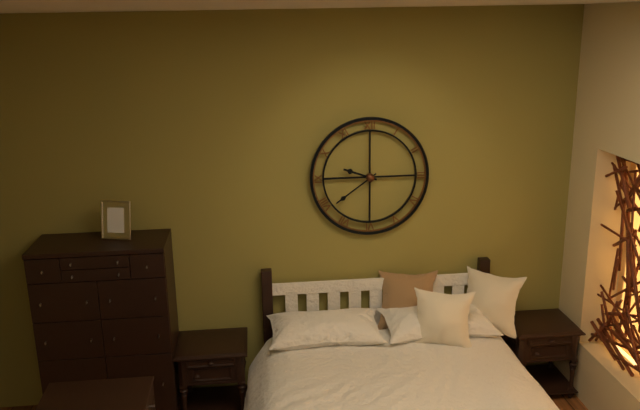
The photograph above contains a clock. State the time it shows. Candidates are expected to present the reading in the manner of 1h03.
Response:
9h39
